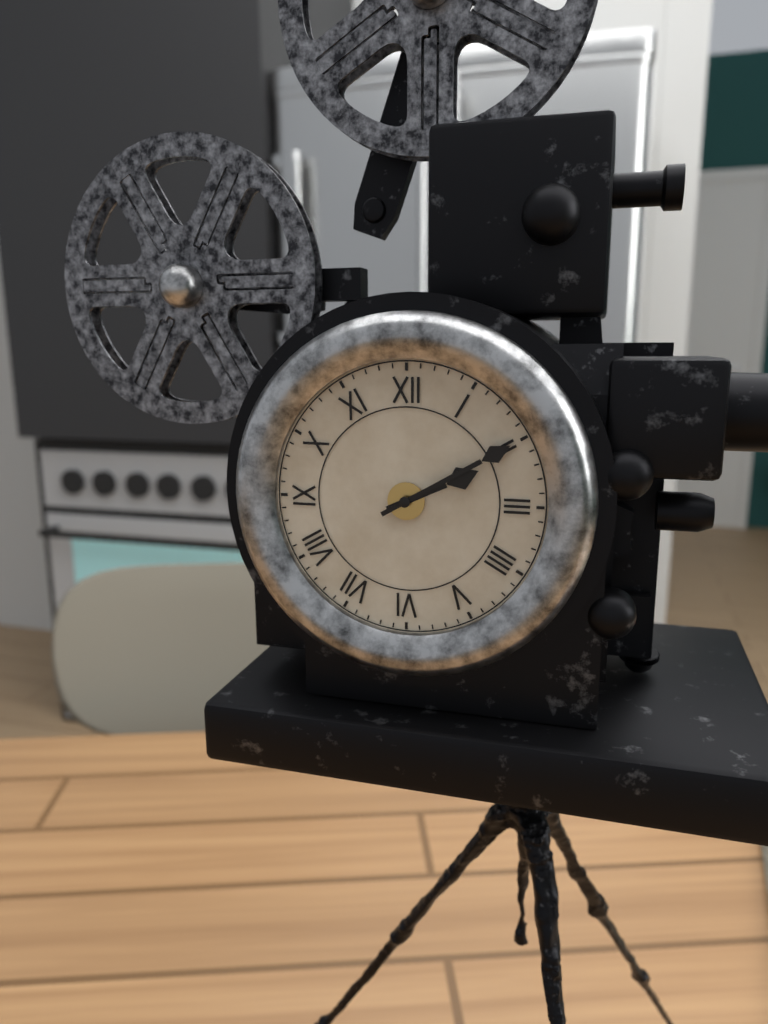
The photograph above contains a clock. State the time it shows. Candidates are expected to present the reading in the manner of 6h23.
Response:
2h10
